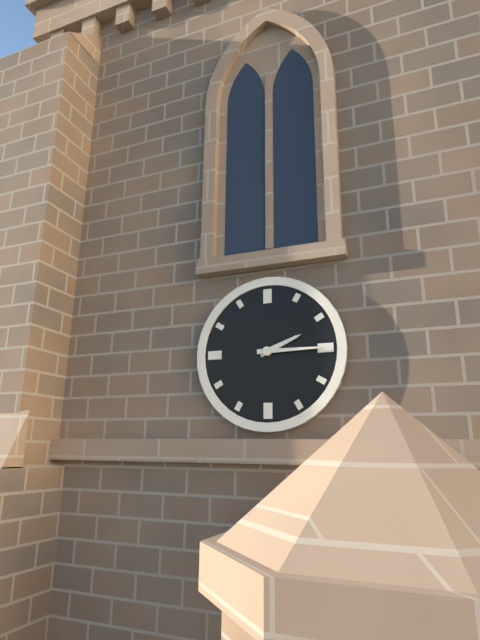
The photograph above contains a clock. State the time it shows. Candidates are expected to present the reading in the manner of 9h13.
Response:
2h15
